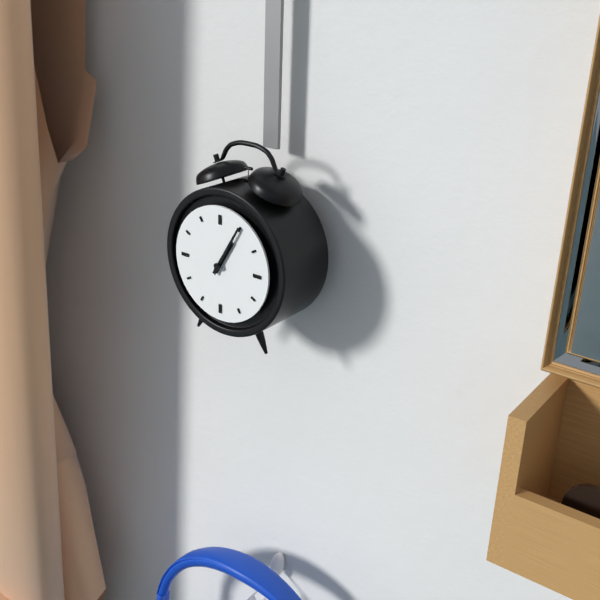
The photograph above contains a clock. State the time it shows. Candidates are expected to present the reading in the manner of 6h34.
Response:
1h05
